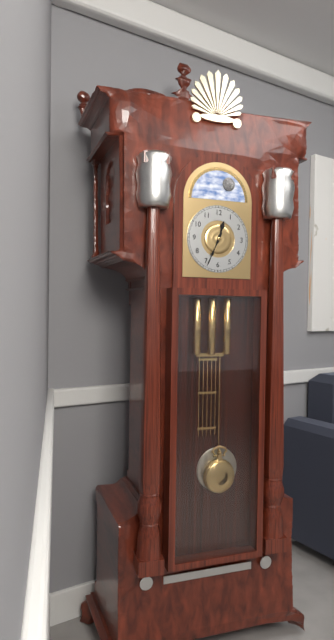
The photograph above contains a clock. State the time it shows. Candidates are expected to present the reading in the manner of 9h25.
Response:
12h34
